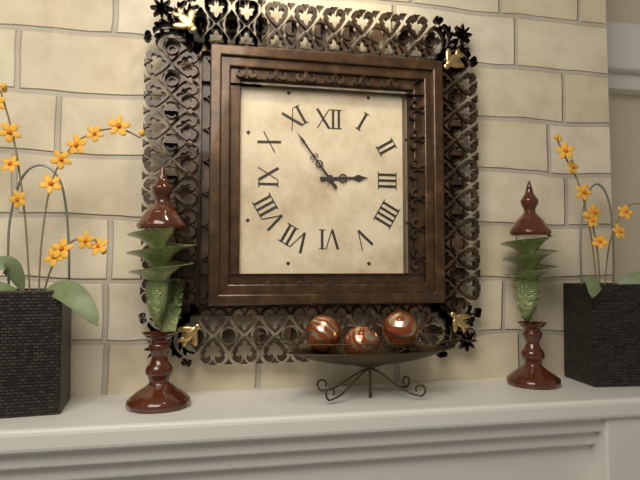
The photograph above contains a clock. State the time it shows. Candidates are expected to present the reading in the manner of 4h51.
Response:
2h54
